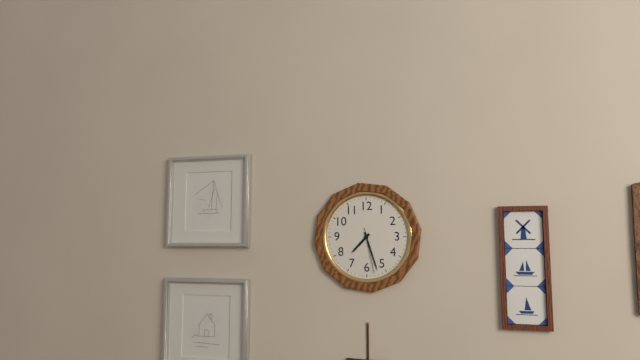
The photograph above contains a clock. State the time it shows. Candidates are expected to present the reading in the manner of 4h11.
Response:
7h27
